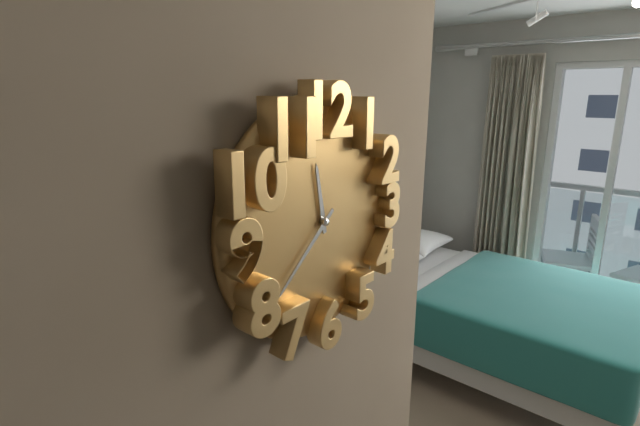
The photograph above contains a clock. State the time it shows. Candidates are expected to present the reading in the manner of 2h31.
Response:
11h38
